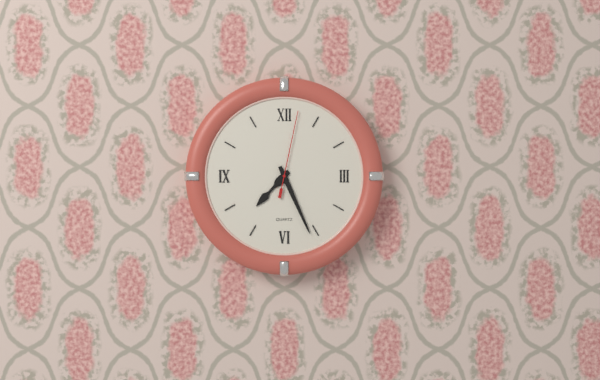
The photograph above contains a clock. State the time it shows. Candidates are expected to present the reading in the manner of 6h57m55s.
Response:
7h26m02s
